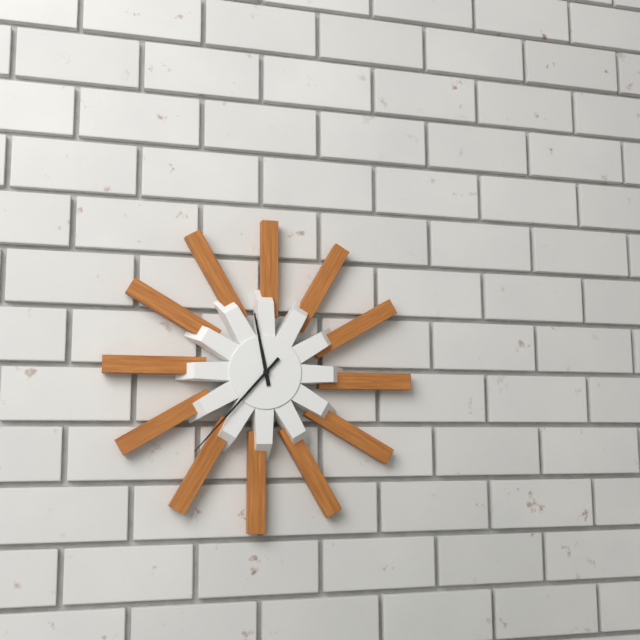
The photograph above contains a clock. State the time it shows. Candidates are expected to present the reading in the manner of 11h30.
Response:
11h37
